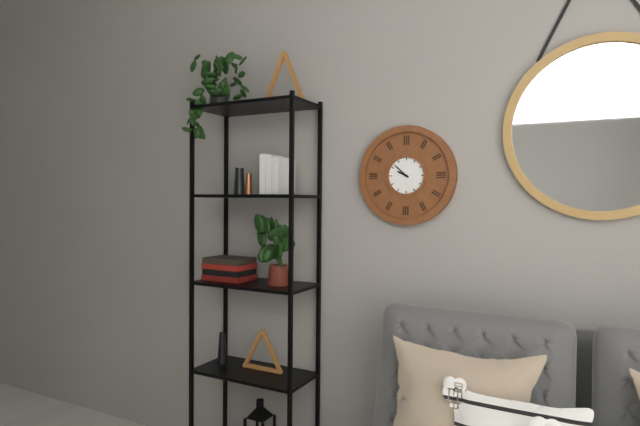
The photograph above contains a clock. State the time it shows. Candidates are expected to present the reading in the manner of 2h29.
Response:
9h52
